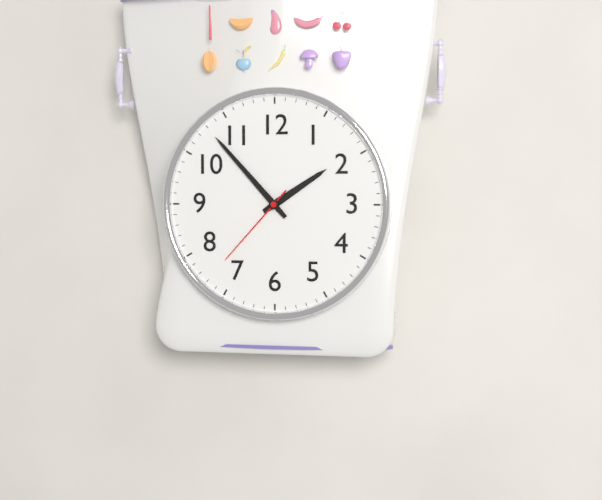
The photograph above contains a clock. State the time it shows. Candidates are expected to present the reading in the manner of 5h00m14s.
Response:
1h53m37s
